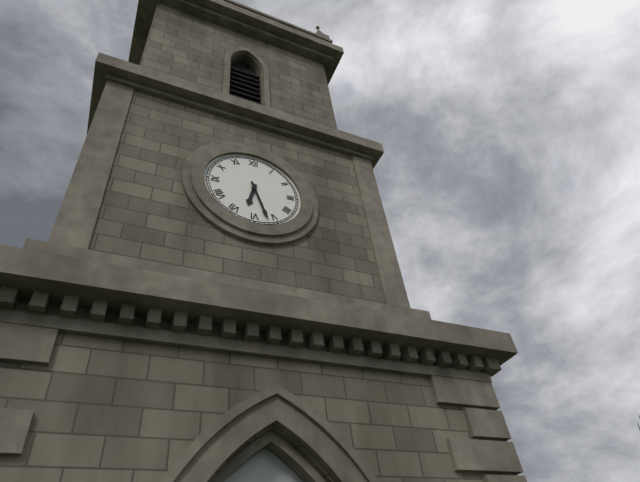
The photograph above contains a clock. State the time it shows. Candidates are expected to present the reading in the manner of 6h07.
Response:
6h27
